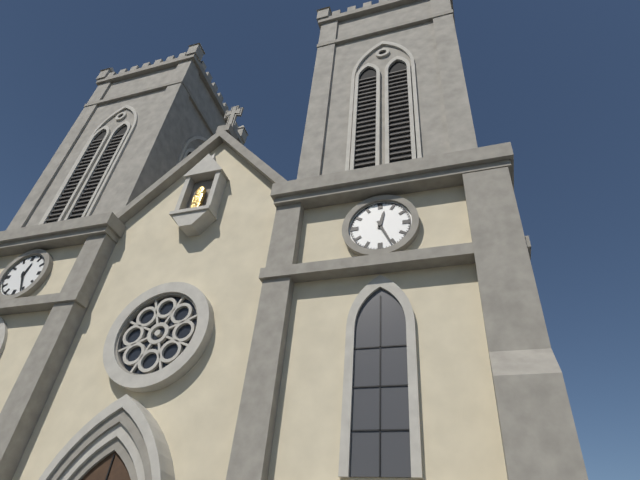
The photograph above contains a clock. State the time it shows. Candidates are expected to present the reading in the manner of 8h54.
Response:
12h26
